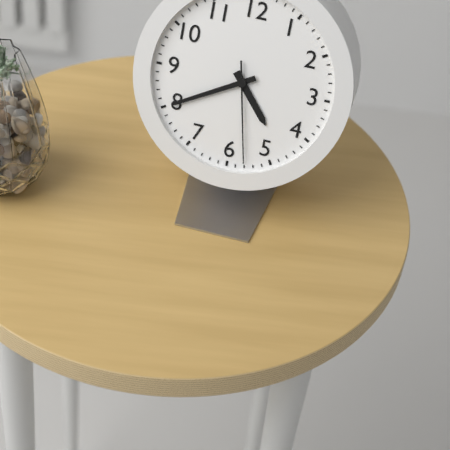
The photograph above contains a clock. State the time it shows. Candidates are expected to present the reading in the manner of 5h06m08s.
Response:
4h40m28s
